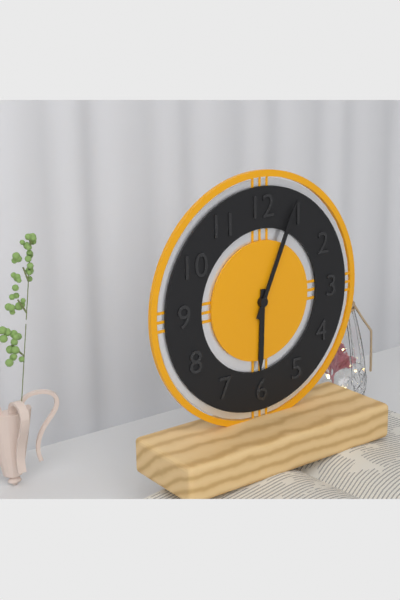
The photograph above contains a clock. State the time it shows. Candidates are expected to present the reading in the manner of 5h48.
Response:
6h04
